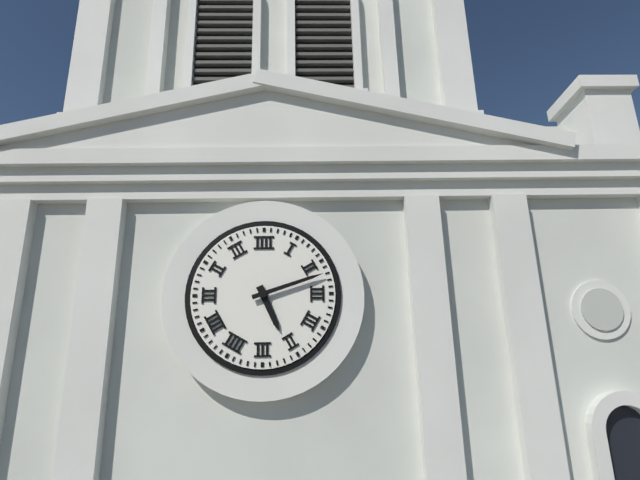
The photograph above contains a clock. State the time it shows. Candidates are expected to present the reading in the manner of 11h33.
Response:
5h12
